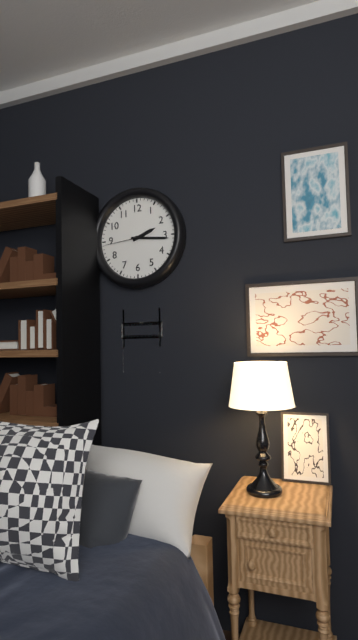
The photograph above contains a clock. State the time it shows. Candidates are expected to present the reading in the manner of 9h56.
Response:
2h16
